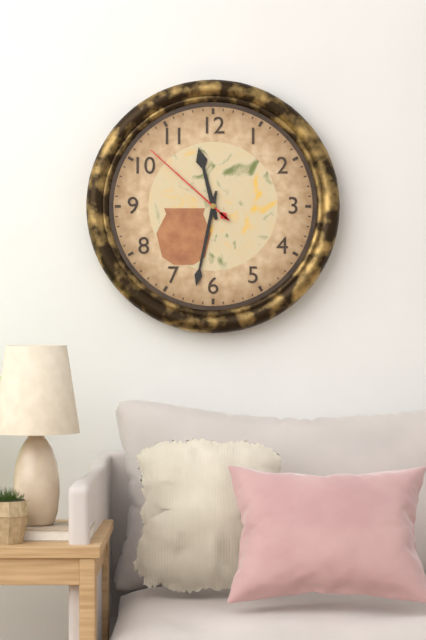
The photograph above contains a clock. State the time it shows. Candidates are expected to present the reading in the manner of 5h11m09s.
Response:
11h32m52s
